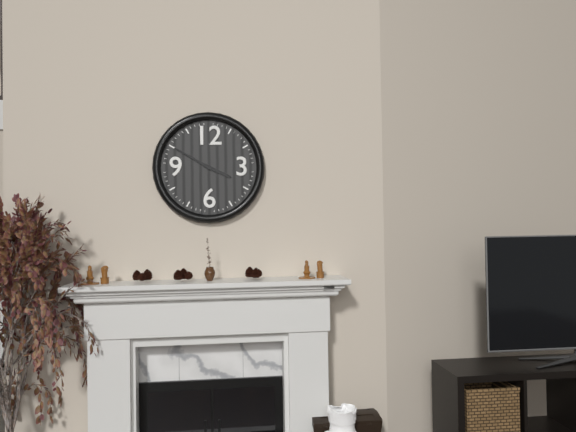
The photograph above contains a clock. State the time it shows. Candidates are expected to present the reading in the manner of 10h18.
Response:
3h50
